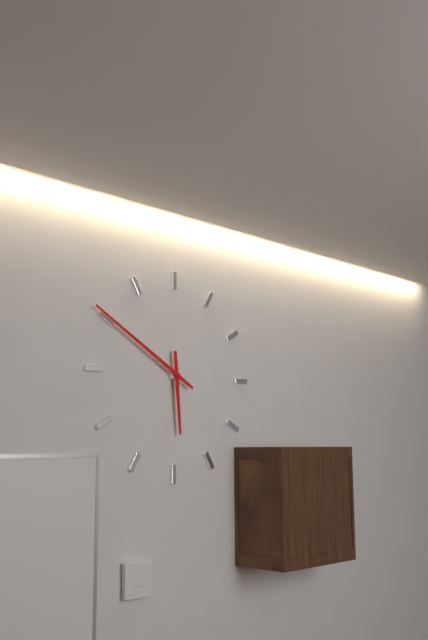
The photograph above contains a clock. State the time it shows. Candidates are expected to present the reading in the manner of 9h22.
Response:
5h50
